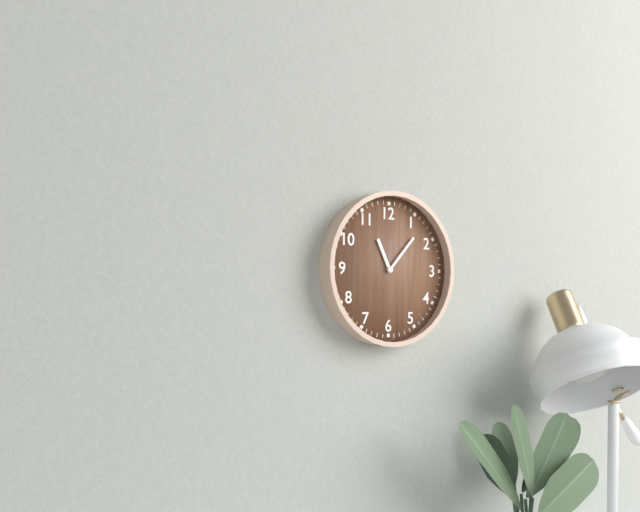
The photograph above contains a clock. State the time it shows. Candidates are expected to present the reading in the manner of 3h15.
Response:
11h07
